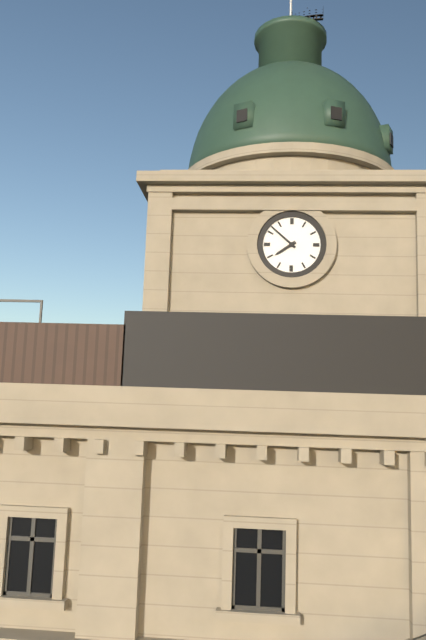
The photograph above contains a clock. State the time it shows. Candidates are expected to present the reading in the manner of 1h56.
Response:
7h52
